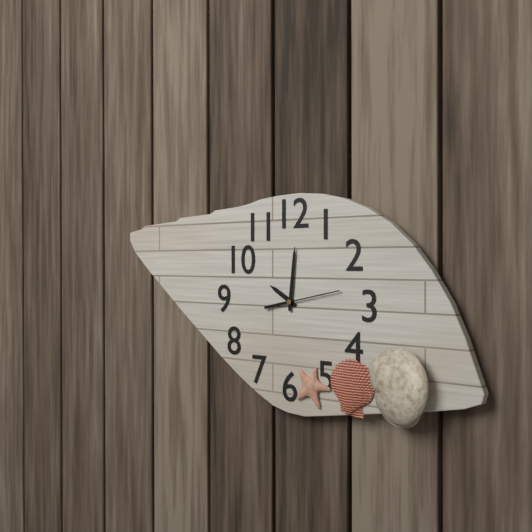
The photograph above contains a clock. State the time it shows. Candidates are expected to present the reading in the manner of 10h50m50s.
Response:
10h01m13s
